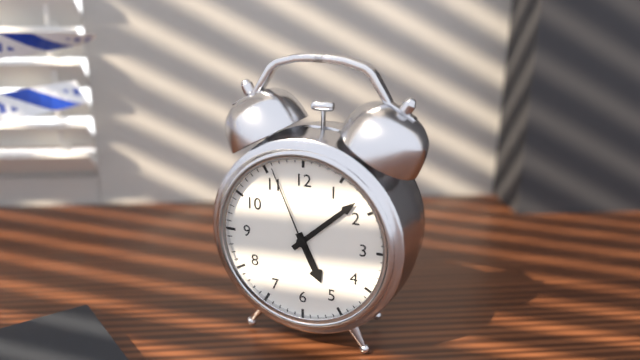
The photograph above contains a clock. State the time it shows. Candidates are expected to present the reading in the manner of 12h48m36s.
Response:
5h08m56s
